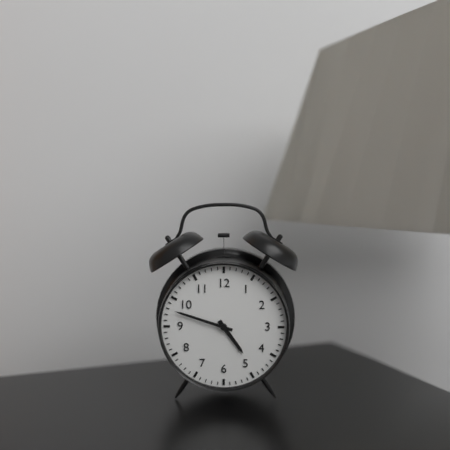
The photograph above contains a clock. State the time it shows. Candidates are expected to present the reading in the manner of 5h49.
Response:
4h48
